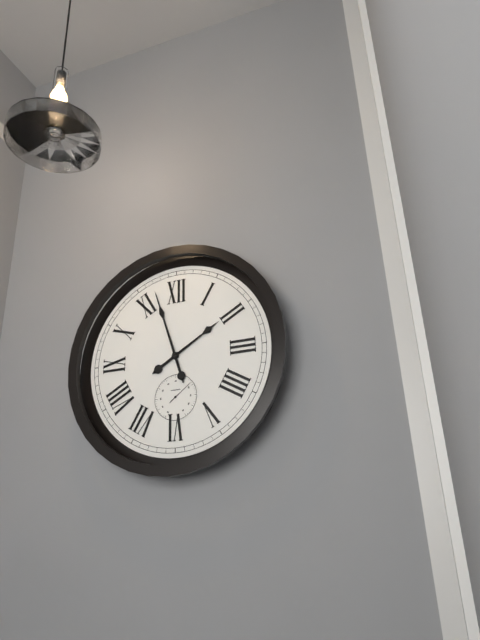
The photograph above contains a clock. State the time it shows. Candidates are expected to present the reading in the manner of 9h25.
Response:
1h57
